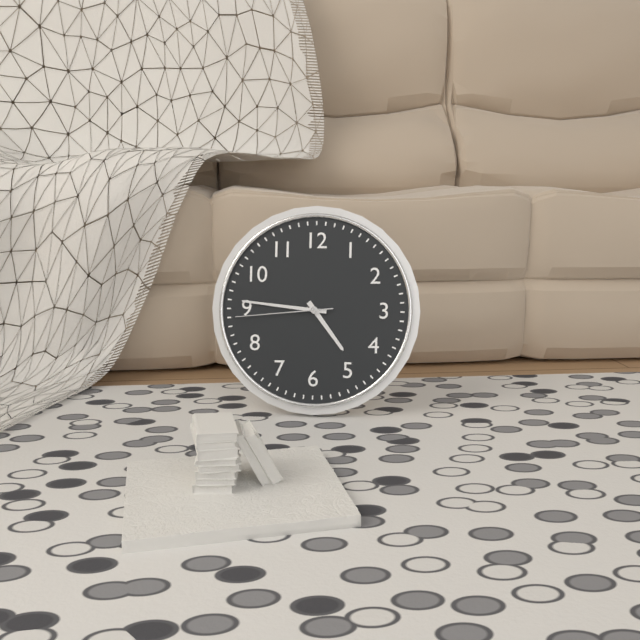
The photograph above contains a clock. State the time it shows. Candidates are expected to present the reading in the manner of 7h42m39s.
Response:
4h46m44s
